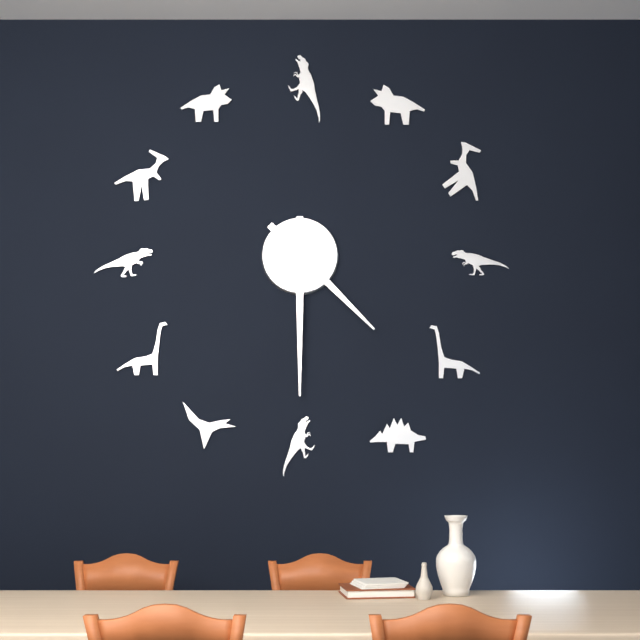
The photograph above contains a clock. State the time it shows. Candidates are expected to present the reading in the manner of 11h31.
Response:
4h30
